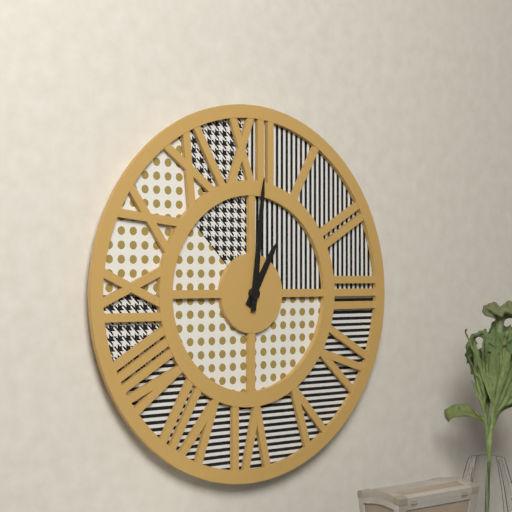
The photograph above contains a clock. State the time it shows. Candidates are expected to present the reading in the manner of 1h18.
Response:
1h01
